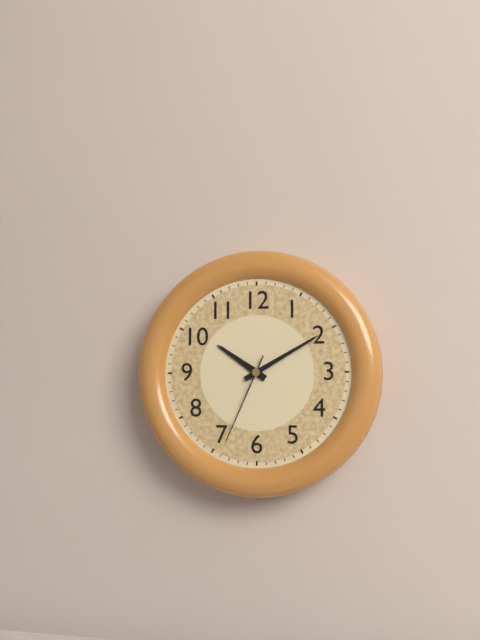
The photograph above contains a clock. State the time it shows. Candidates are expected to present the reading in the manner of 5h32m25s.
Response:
10h10m34s
